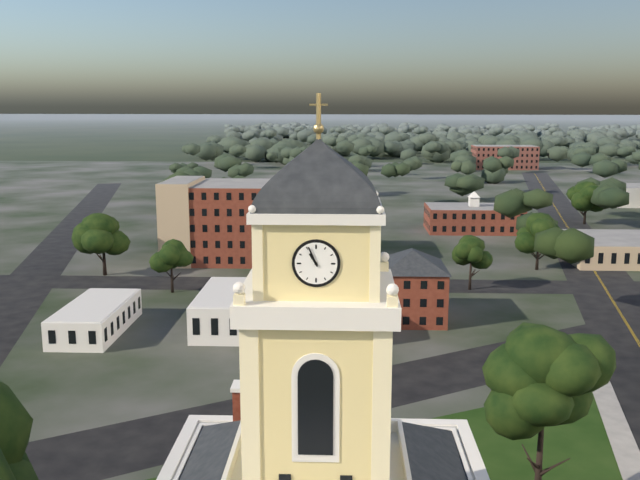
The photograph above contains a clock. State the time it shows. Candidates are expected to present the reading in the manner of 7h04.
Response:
10h56
